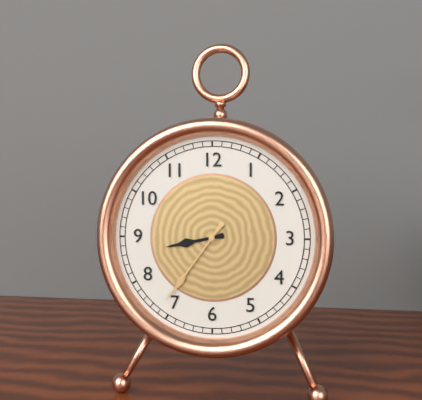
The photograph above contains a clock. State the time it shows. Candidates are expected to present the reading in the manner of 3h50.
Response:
8h36
